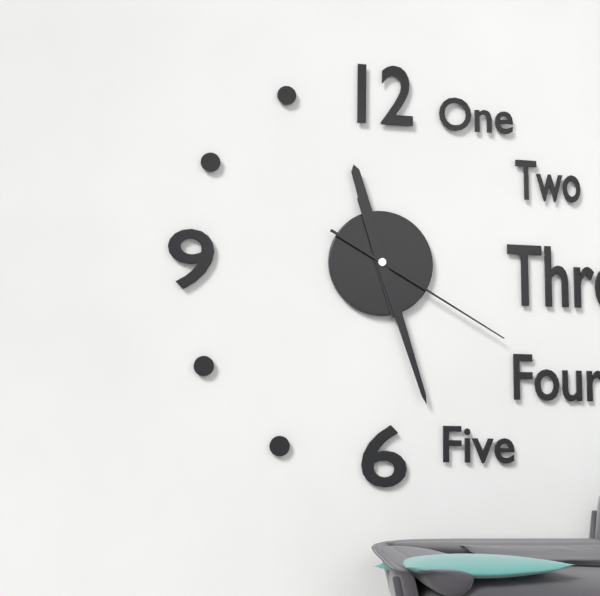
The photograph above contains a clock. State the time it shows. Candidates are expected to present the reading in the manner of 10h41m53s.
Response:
11h27m20s
